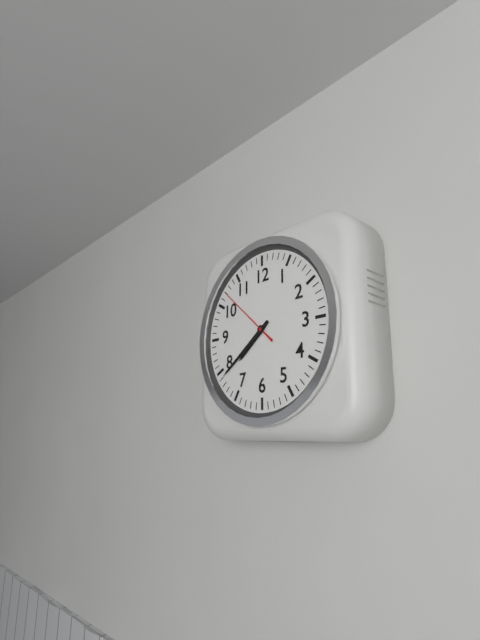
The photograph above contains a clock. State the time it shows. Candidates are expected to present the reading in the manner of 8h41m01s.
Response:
7h39m52s
